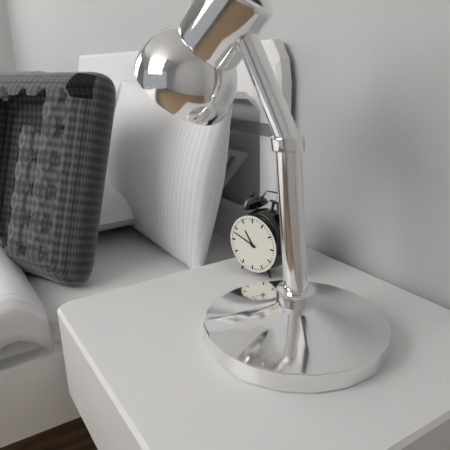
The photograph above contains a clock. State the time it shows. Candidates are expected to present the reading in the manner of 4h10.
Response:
10h48
